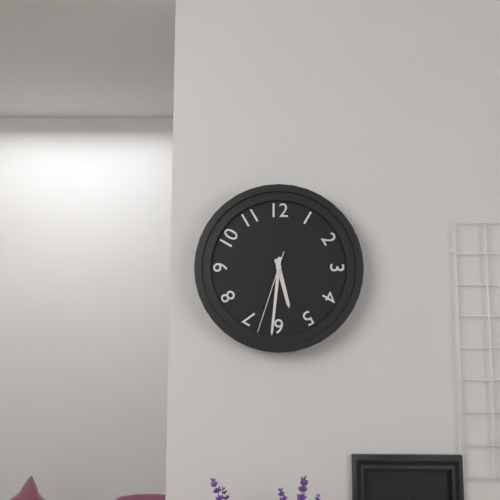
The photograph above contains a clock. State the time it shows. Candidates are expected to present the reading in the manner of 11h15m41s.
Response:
5h31m33s
